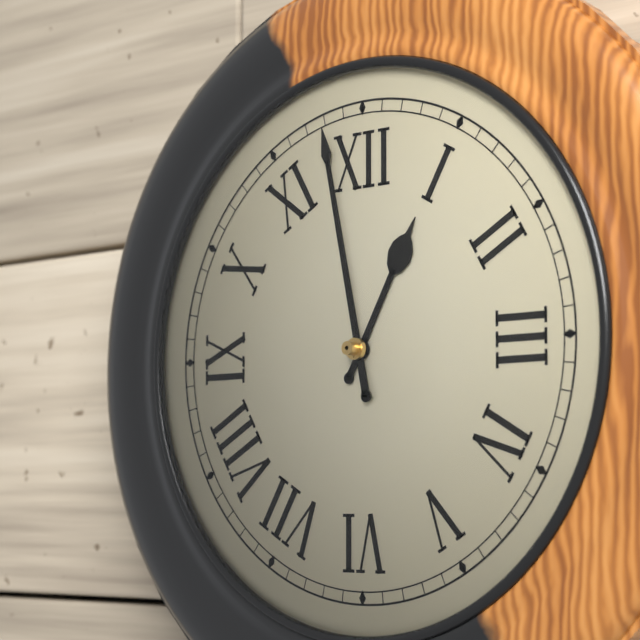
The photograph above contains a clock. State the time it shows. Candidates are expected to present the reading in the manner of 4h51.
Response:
12h58
